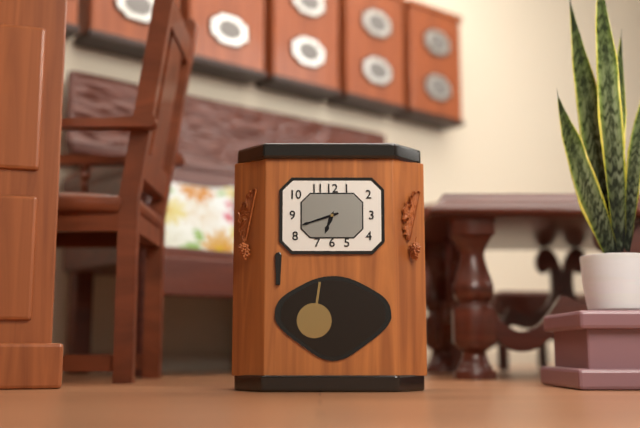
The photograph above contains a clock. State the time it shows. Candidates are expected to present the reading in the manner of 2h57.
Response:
6h42
